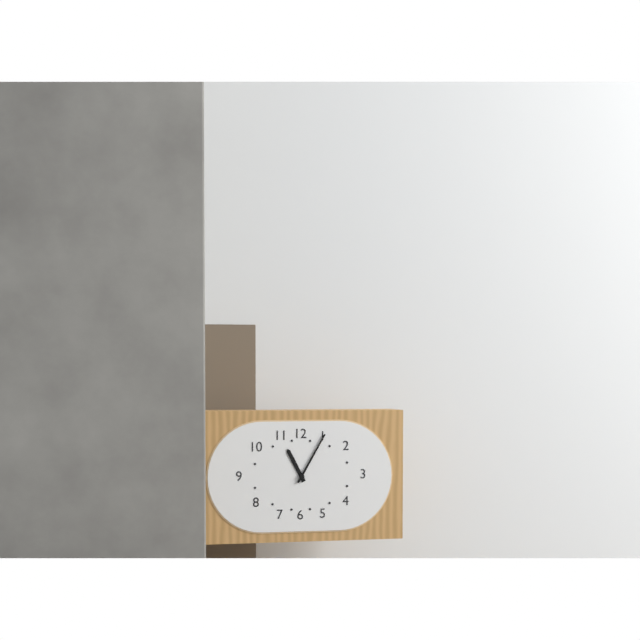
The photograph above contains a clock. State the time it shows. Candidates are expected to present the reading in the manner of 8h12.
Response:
11h05
